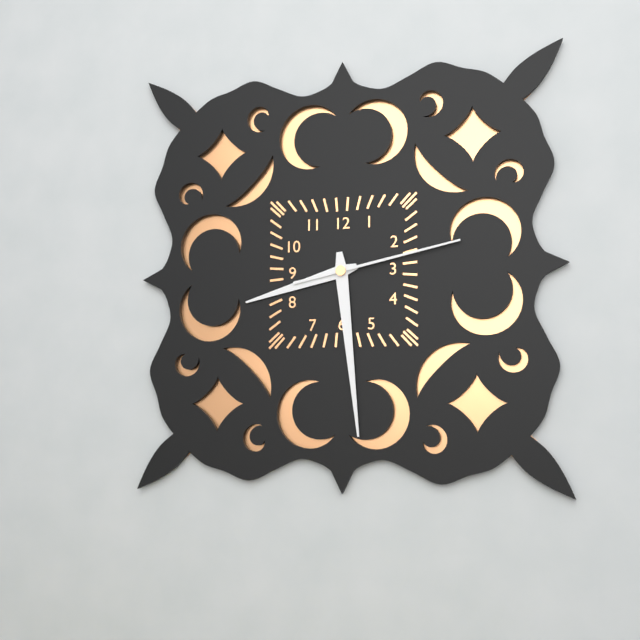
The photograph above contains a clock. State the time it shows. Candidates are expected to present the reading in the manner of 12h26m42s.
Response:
8h29m13s
